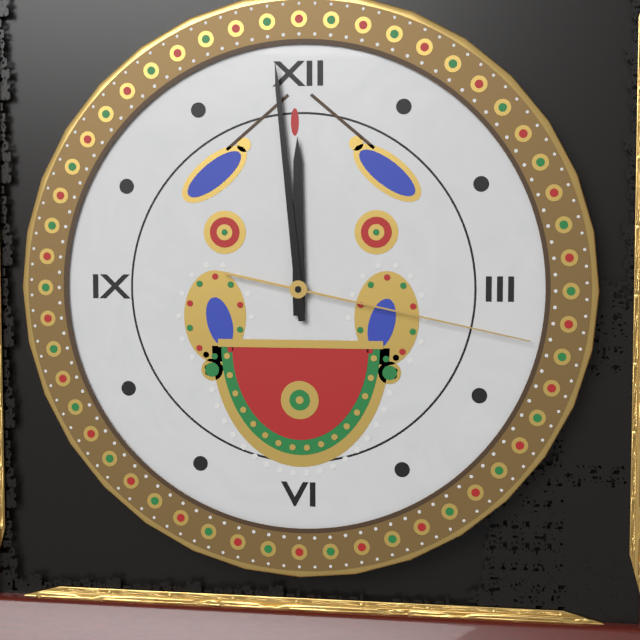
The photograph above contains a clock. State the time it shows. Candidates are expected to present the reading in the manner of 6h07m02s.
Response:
11h59m17s
